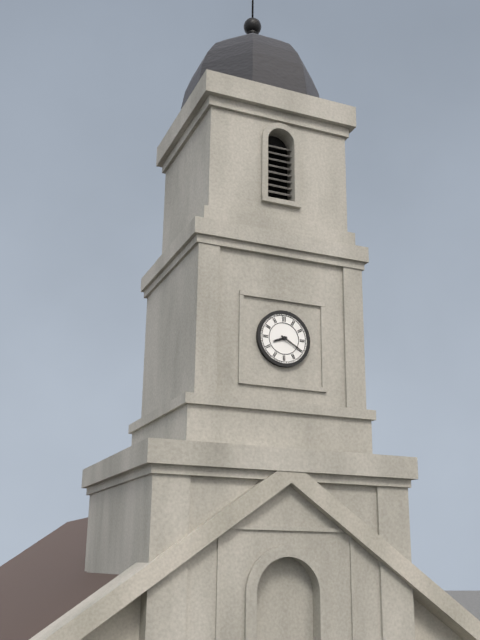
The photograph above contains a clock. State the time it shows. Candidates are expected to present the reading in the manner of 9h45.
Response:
8h20
